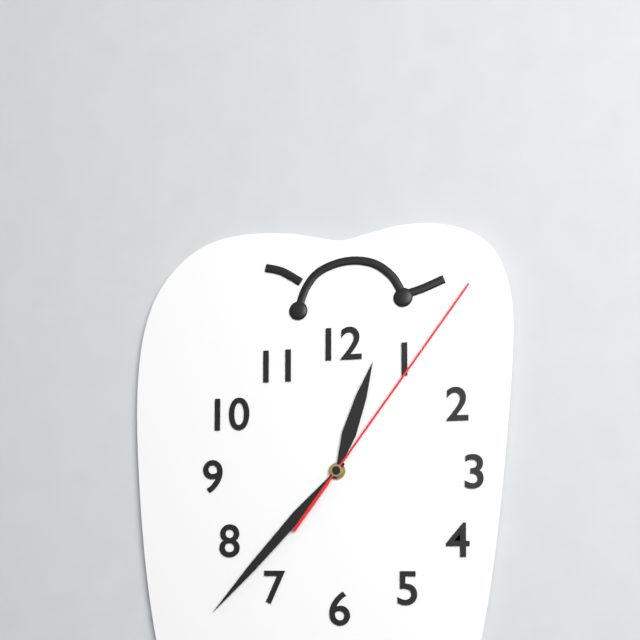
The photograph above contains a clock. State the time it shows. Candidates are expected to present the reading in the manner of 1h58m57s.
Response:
12h37m06s
